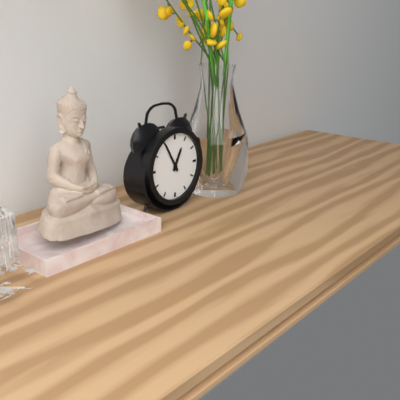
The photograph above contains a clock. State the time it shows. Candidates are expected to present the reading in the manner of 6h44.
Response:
12h55
